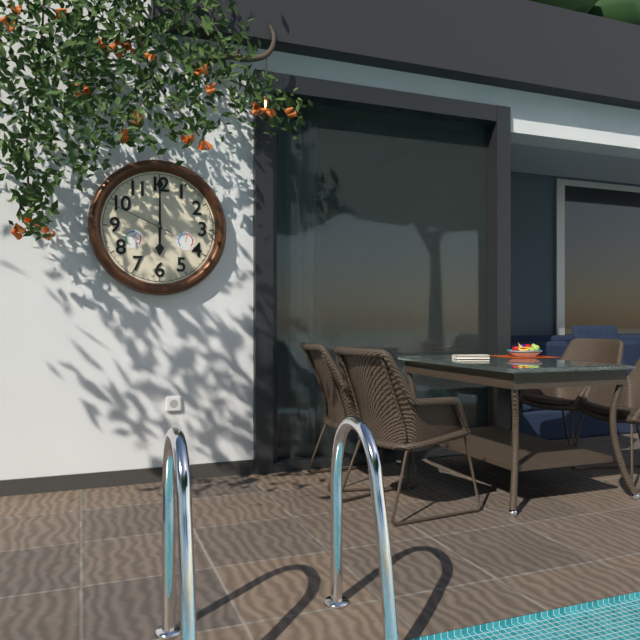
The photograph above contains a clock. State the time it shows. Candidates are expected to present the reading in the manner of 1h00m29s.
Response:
6h00m49s
